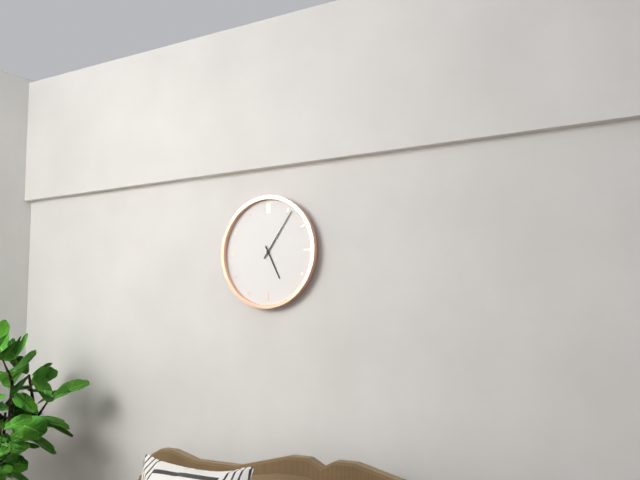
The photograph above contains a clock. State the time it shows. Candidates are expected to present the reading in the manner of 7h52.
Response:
5h06
